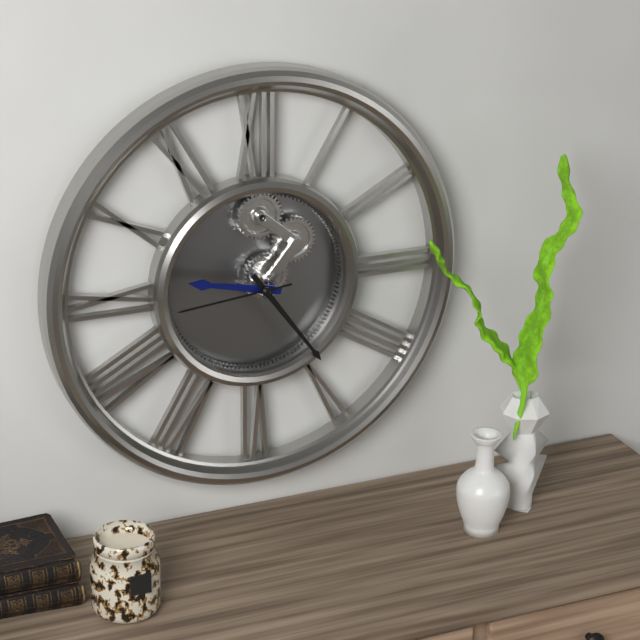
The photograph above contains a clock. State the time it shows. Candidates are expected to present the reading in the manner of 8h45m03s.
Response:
9h24m44s
